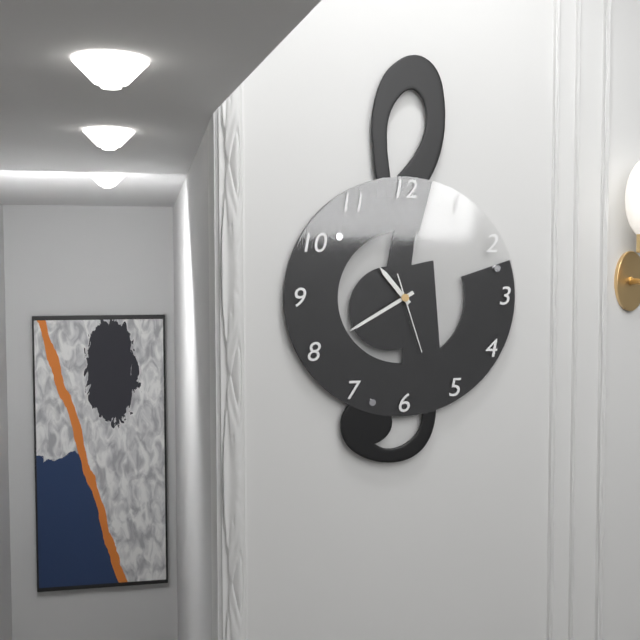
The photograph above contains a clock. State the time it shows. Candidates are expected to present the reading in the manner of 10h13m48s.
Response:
10h40m27s
